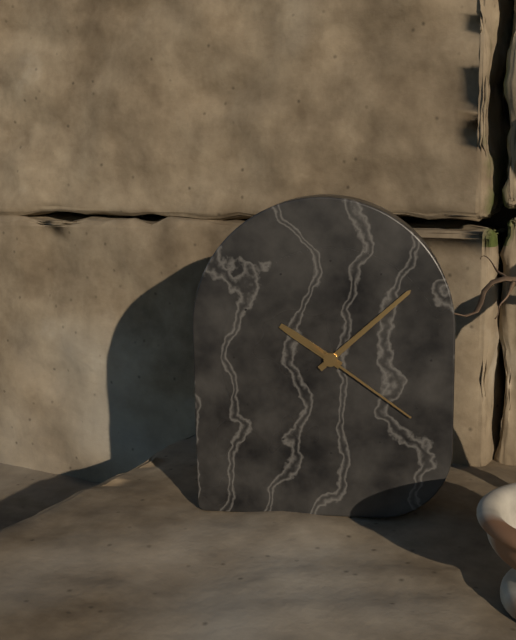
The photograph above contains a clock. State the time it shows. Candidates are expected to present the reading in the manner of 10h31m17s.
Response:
10h08m21s
